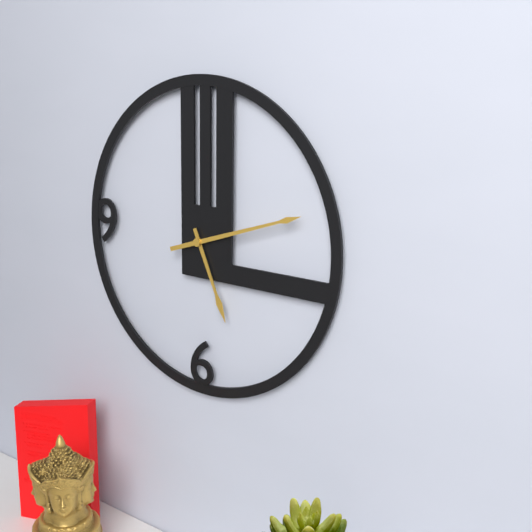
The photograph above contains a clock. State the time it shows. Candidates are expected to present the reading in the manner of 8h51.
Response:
5h12
